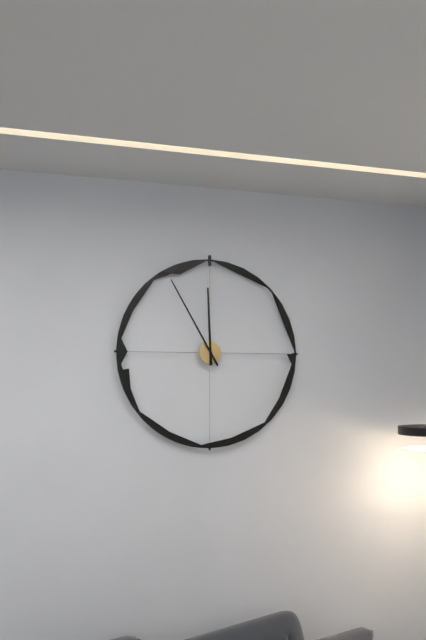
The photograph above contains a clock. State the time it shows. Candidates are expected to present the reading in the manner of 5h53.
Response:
11h55
